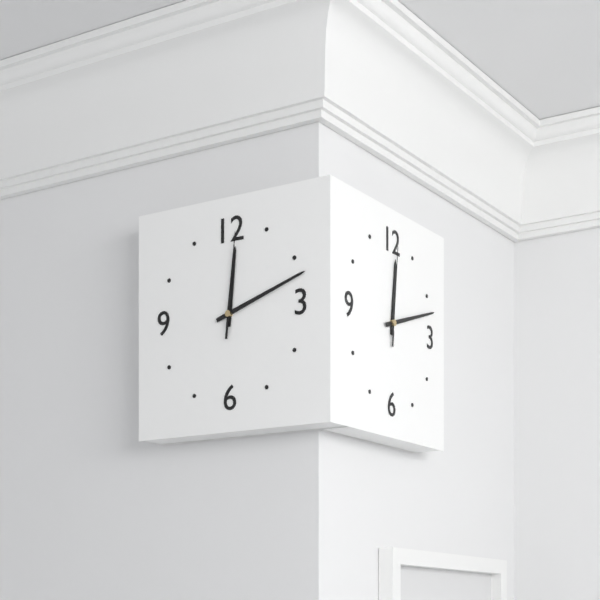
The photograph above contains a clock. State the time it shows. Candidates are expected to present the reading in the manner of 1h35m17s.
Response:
12h12m01s
